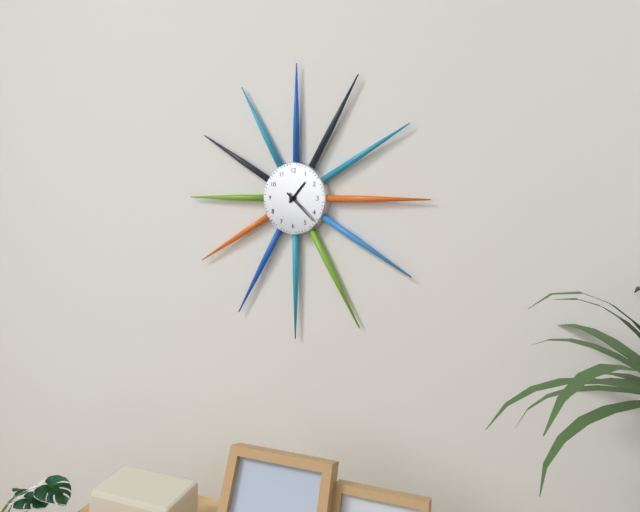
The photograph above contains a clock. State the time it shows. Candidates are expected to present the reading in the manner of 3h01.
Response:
1h22
